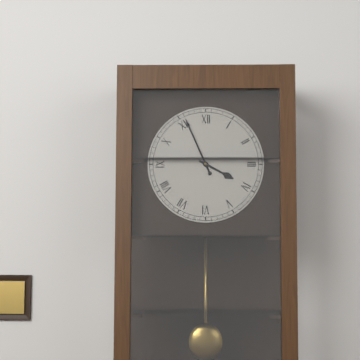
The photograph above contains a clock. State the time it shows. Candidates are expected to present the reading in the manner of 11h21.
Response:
3h56
